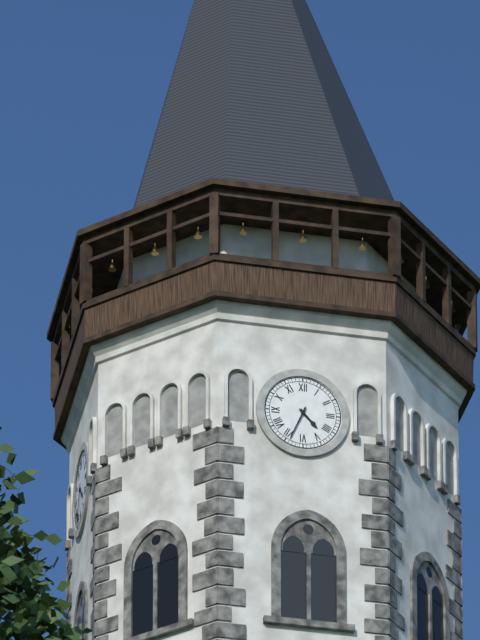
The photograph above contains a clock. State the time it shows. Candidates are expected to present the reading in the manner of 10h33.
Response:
4h34
